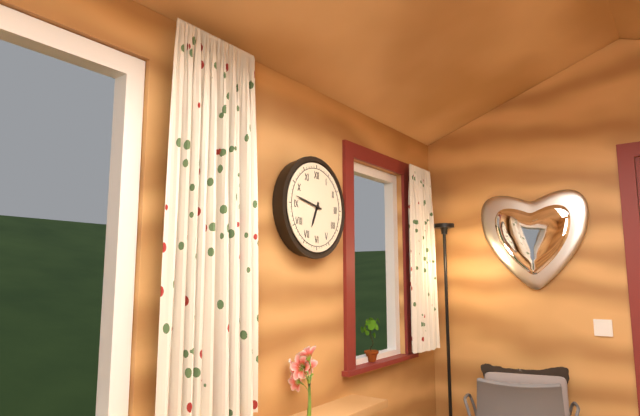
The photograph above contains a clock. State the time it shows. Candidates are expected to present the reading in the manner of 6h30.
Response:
6h47
